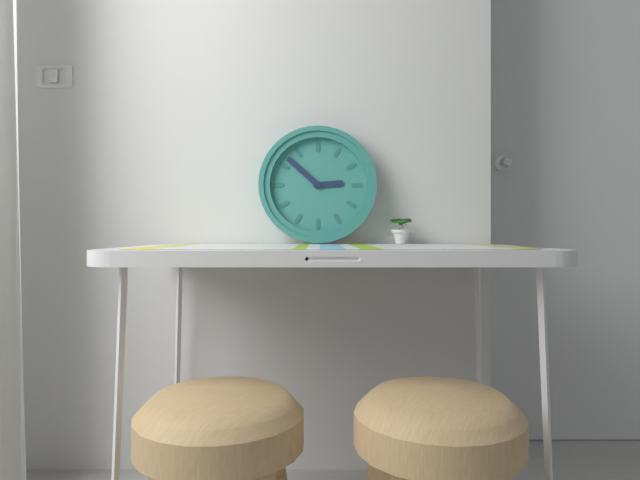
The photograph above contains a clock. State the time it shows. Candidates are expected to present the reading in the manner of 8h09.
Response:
2h52
